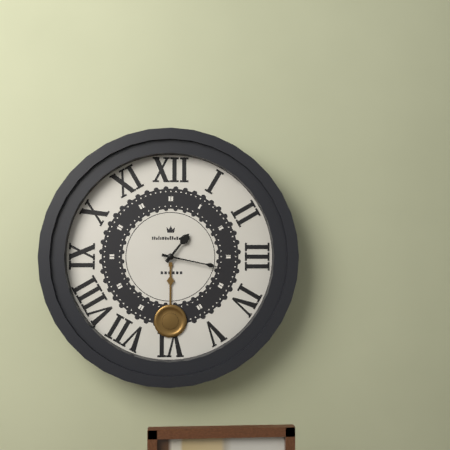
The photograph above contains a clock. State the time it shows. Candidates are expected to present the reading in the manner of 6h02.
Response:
1h17
